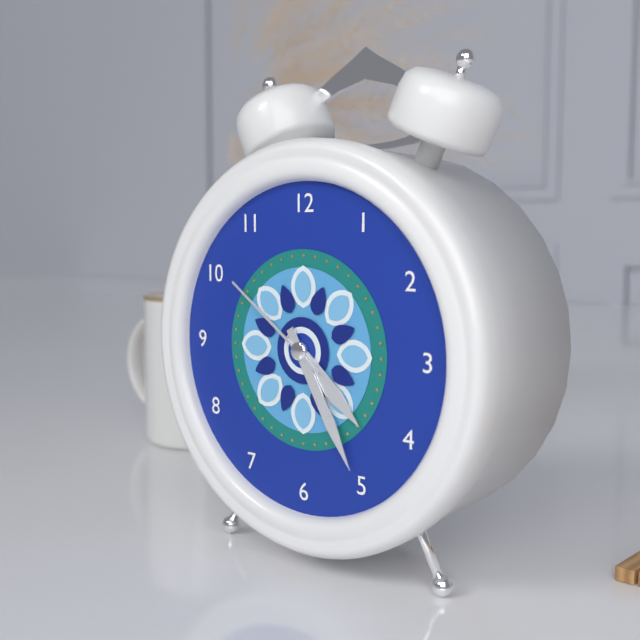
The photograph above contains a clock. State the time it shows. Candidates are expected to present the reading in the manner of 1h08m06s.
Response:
4h25m51s
